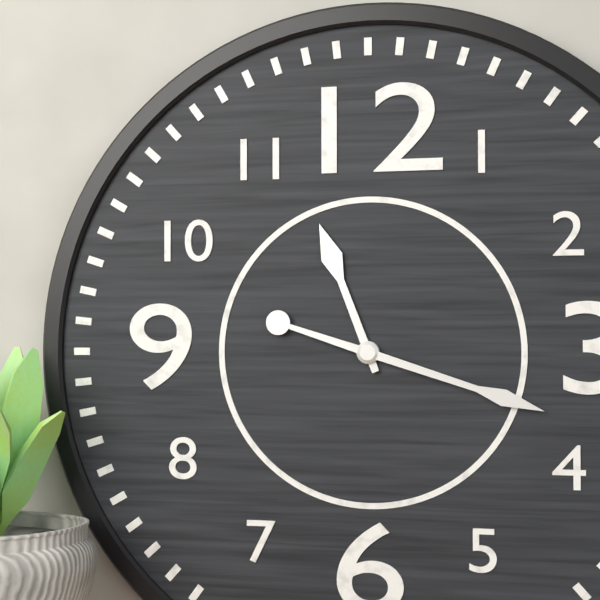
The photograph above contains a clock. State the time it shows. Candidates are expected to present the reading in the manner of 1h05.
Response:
11h18
